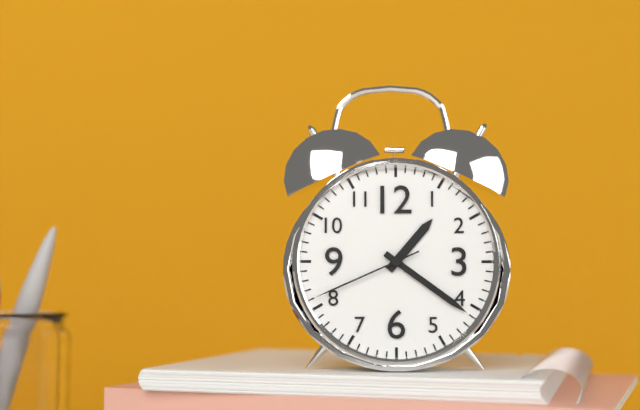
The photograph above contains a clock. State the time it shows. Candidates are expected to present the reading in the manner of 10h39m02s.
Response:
1h21m41s
